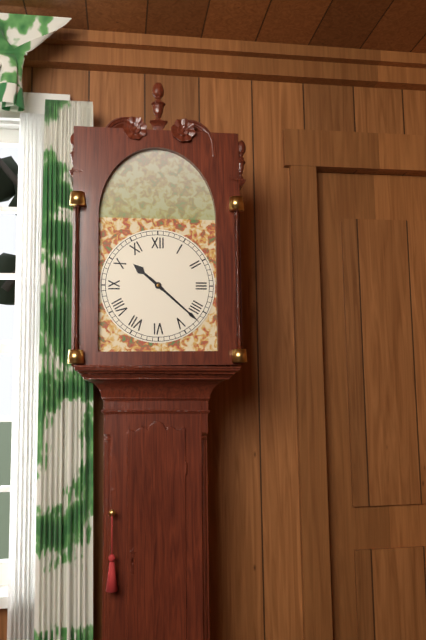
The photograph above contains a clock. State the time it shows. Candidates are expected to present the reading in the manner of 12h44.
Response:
10h22
